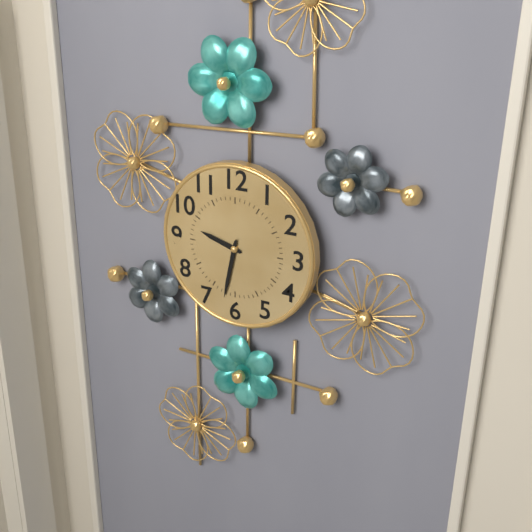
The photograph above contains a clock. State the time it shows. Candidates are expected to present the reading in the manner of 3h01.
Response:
9h32
